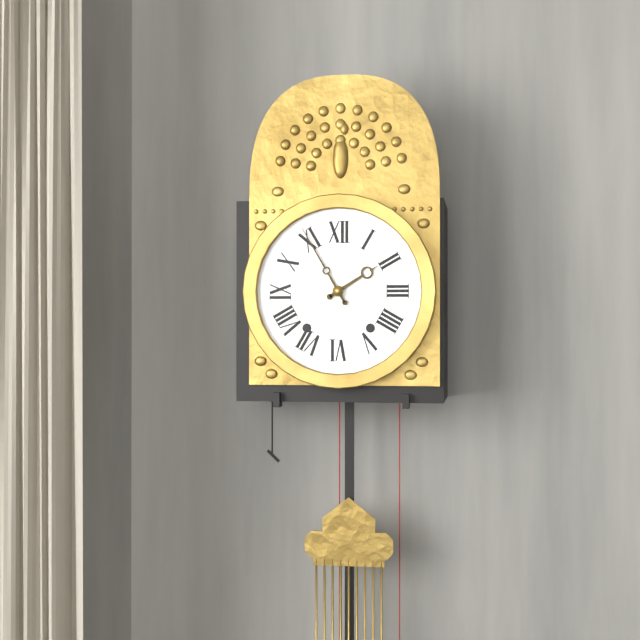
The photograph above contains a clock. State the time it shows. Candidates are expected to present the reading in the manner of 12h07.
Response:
1h55
